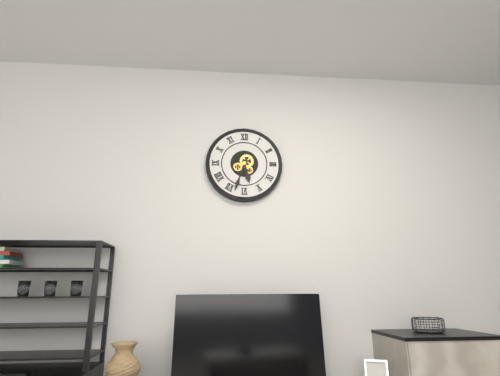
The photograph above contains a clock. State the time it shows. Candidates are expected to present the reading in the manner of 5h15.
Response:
5h33
